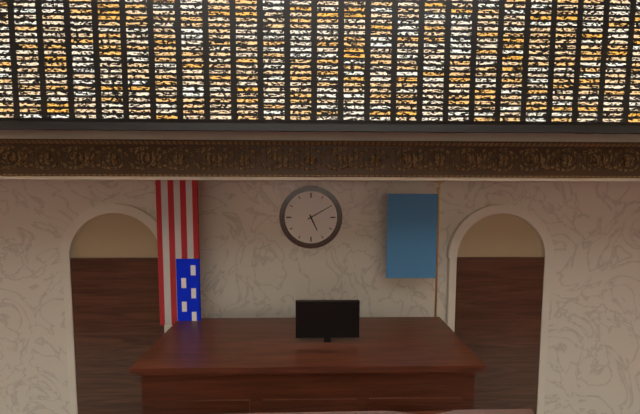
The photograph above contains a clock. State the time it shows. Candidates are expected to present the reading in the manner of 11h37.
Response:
5h10
